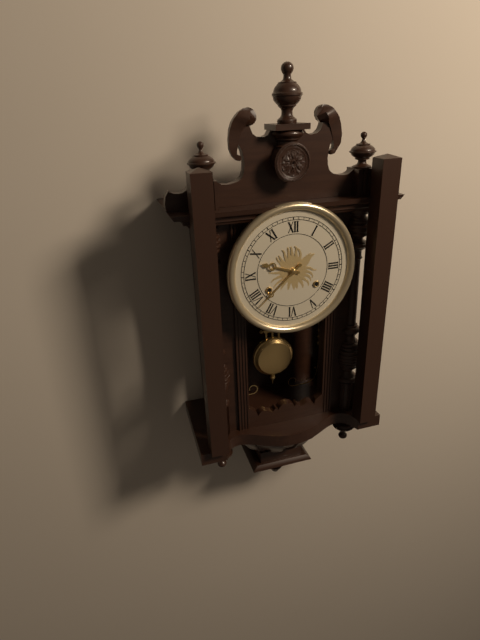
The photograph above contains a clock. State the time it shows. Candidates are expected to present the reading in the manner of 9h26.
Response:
9h38
